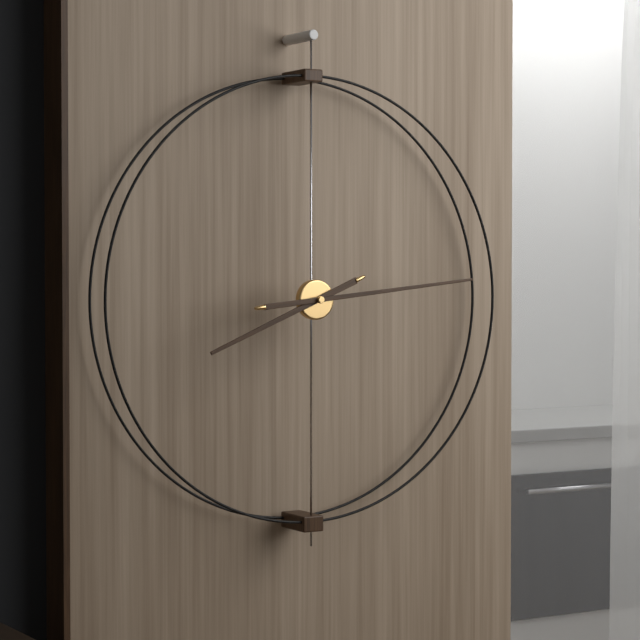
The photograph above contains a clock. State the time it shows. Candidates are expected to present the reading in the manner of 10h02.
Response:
8h14
